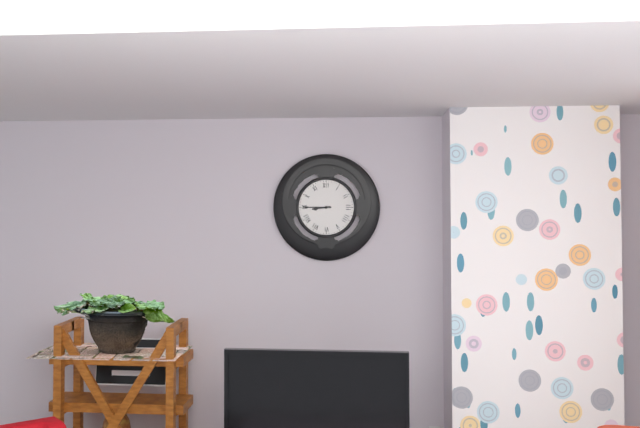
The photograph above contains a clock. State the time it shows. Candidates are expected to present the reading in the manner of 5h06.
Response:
8h45
